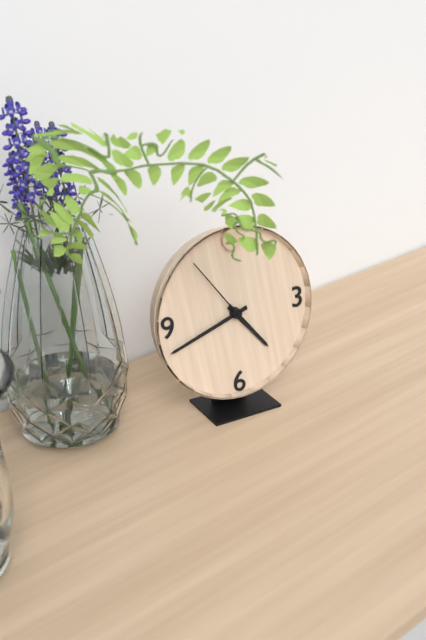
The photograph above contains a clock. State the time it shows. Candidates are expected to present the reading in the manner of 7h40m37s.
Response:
4h42m54s
